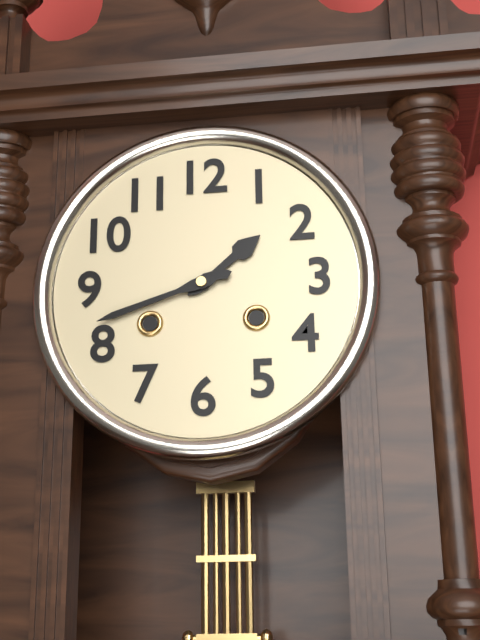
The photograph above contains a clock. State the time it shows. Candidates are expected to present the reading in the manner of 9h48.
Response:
1h42
